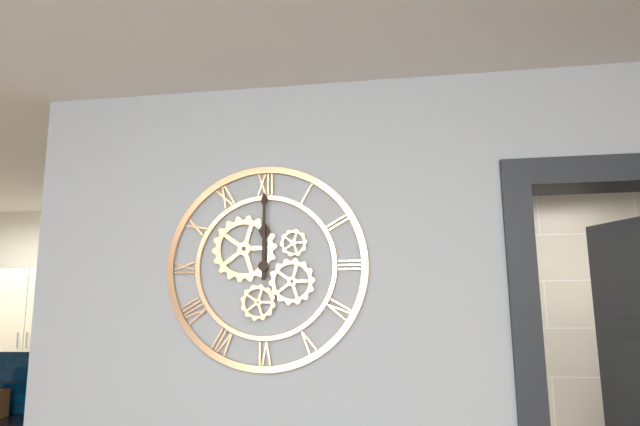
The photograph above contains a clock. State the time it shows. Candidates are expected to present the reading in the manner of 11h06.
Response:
12h00
